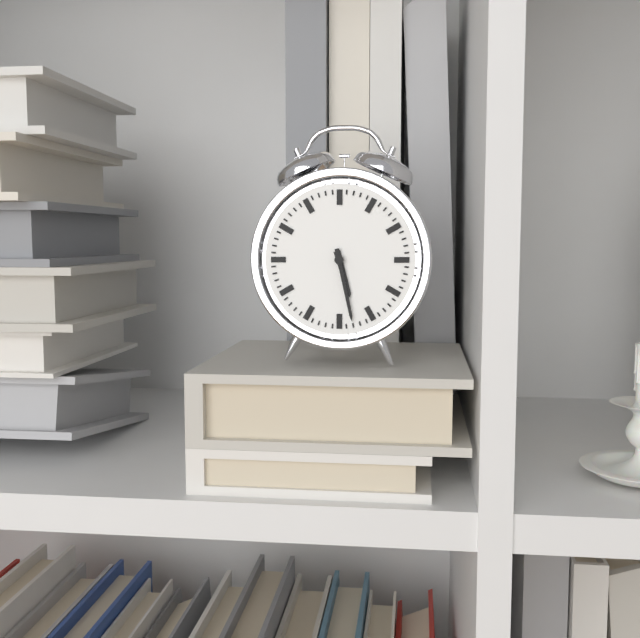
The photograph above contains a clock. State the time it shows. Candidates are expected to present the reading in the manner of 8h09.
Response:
5h28
